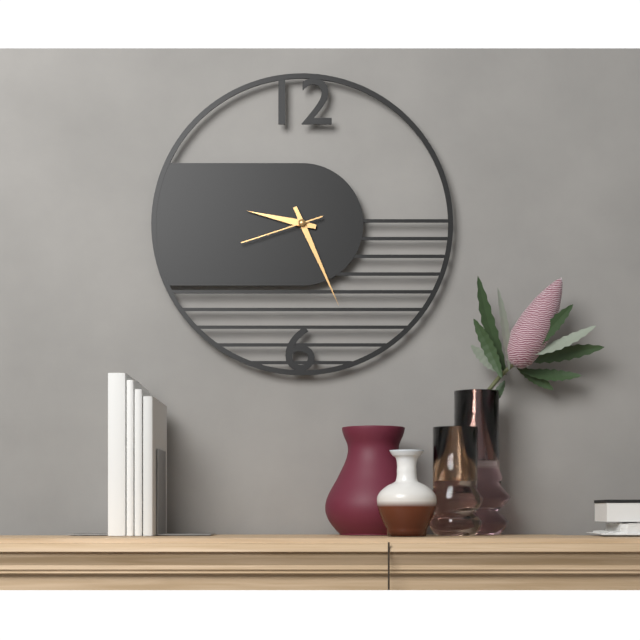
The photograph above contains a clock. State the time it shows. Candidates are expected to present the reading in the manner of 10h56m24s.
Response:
9h26m42s
